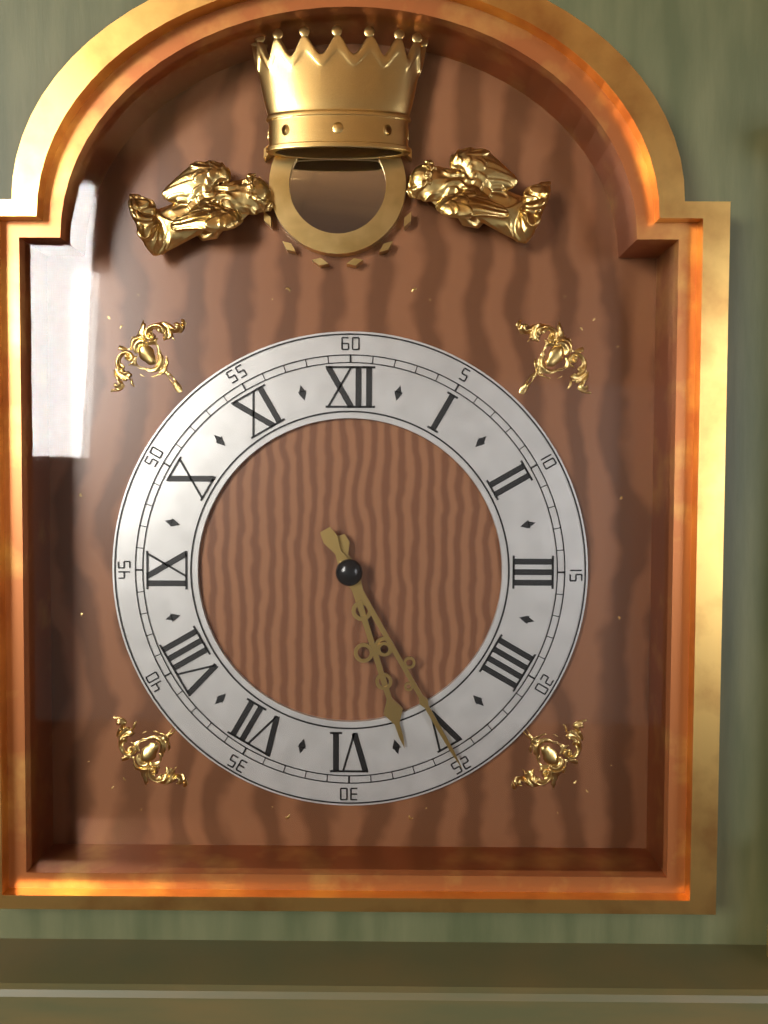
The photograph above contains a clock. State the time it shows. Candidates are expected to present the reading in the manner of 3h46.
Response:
5h25
